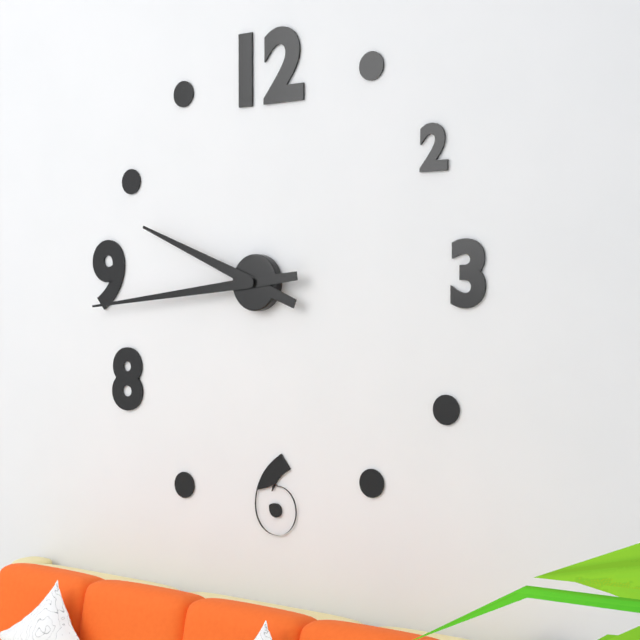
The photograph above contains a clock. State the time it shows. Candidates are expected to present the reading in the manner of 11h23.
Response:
9h44
